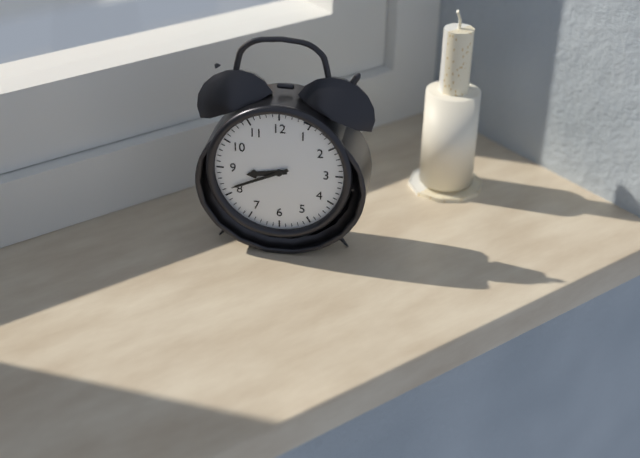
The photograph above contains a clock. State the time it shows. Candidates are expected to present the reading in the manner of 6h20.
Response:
8h41
